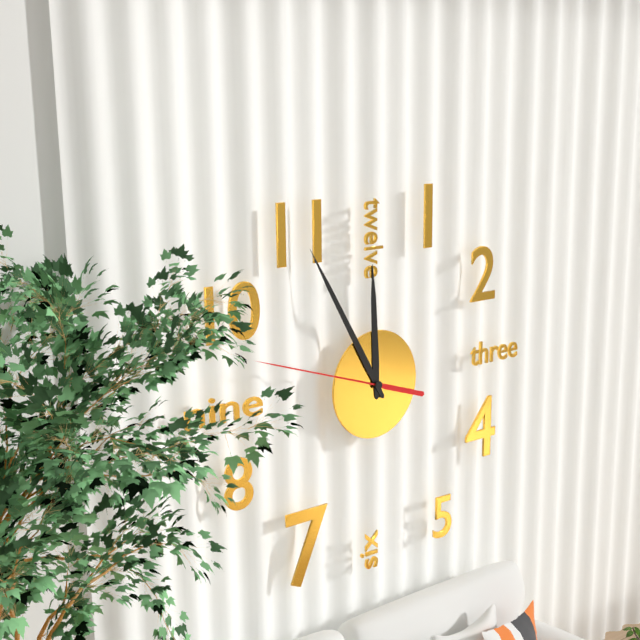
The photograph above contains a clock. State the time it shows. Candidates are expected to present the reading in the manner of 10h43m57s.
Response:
11h55m48s
